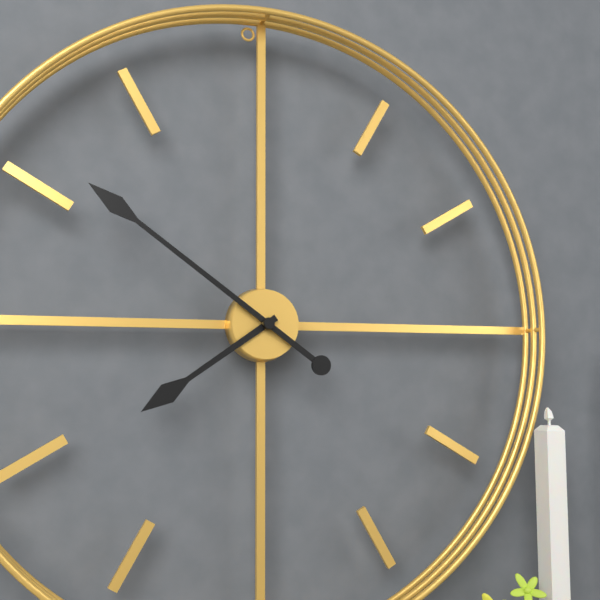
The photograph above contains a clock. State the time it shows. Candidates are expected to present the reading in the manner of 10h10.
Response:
7h51
